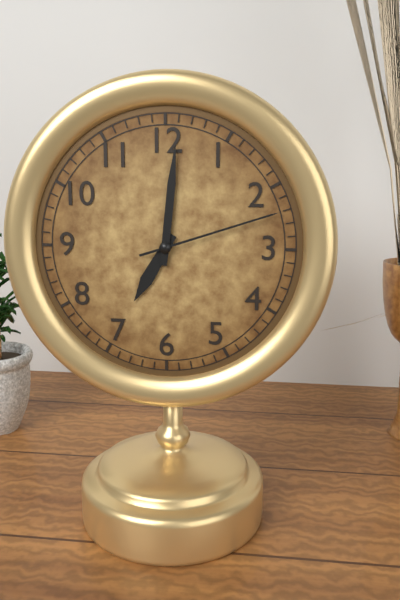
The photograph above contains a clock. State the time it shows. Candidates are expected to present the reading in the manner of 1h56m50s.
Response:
7h01m12s
